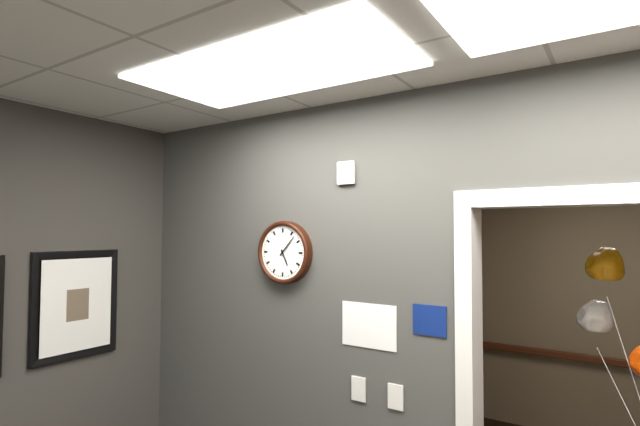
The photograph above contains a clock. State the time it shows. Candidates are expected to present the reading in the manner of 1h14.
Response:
5h07
